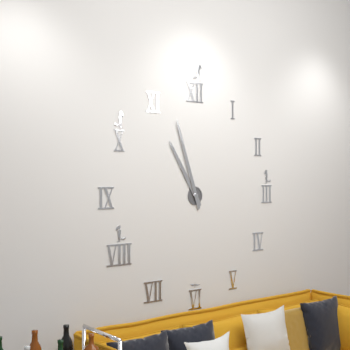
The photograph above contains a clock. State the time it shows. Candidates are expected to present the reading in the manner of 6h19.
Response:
10h57
